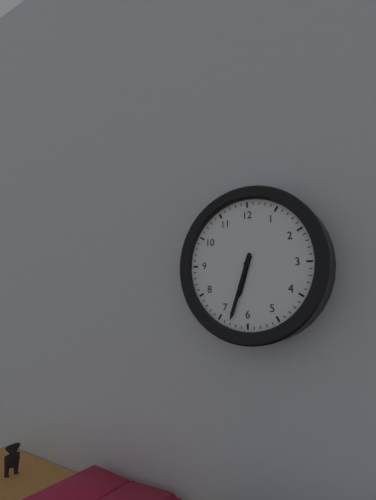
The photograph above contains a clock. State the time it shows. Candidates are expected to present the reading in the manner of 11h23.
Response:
6h33
